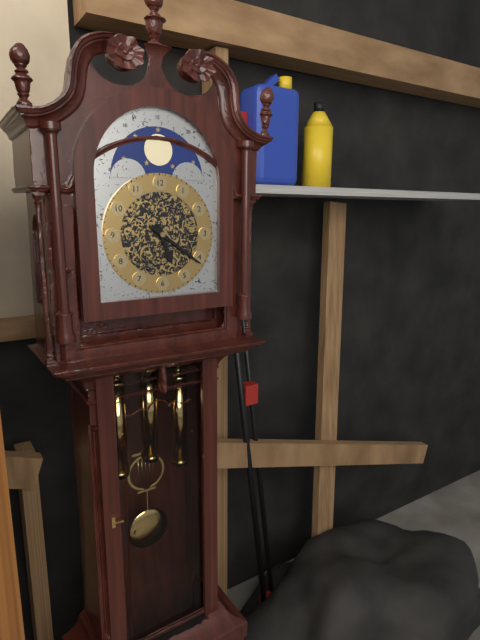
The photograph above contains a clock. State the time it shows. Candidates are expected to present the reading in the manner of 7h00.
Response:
5h21
